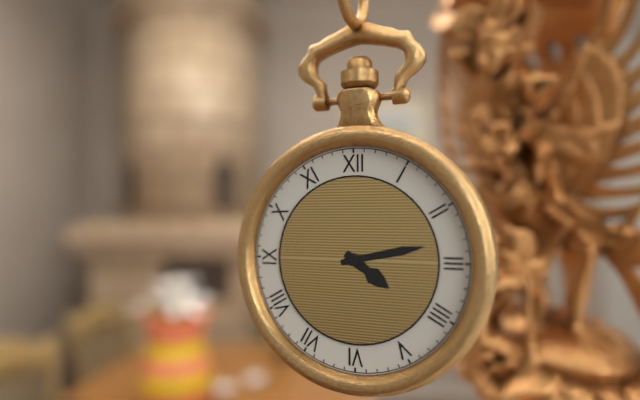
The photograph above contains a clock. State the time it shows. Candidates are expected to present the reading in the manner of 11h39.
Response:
4h13
